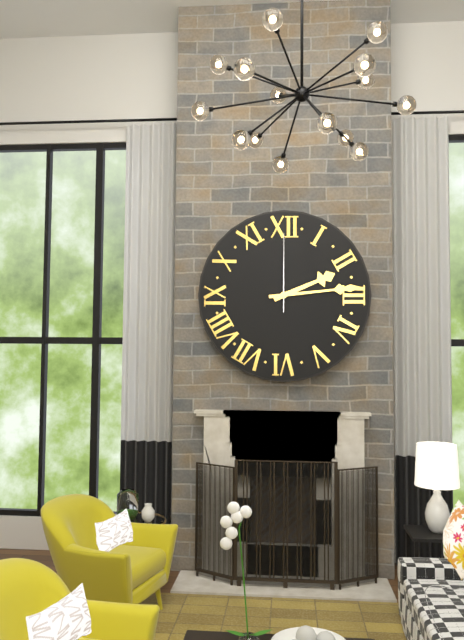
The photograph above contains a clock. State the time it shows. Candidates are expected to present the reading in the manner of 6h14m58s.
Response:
2h14m00s
